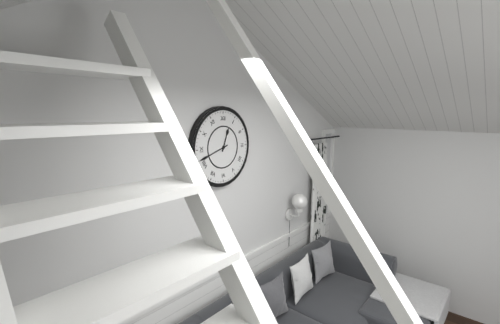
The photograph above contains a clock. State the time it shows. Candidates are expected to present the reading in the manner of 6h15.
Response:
12h42
